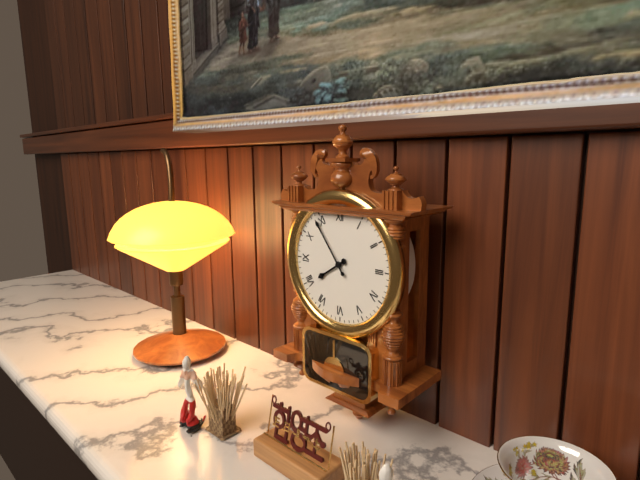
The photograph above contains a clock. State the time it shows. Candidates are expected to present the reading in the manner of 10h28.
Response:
7h54
